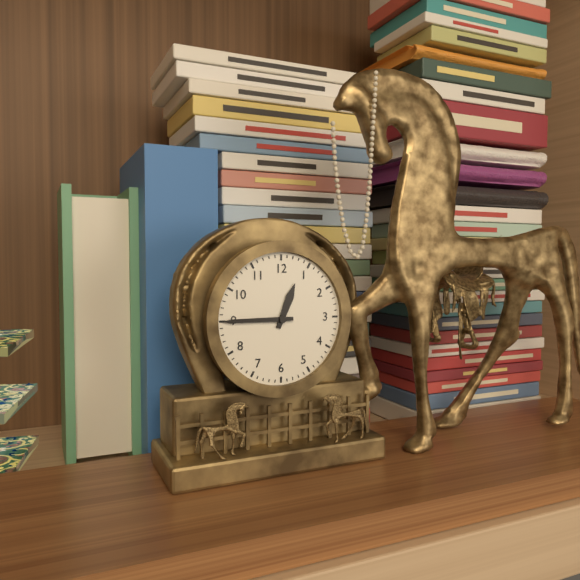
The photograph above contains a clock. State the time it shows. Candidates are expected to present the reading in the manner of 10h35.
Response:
12h45
